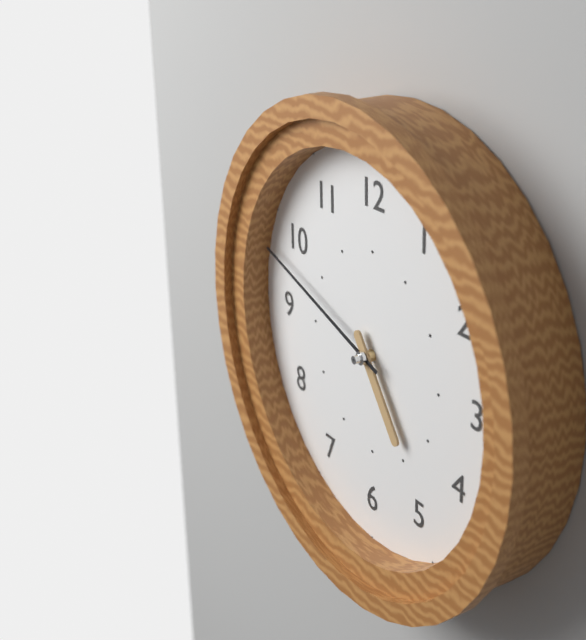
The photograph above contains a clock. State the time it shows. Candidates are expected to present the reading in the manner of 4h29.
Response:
4h48
